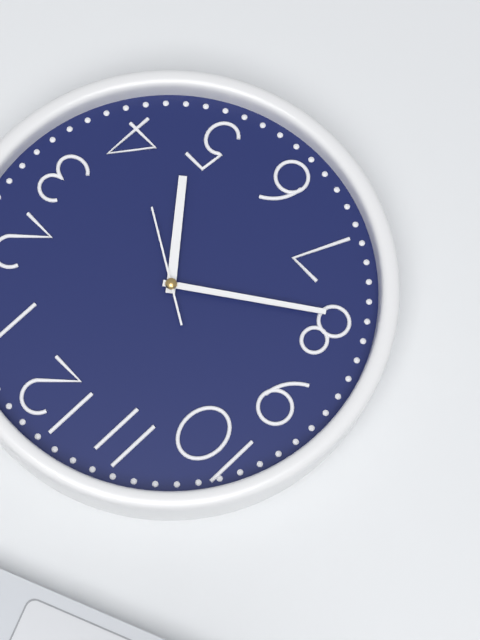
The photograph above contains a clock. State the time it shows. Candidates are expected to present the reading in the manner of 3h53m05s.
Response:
4h39m20s
